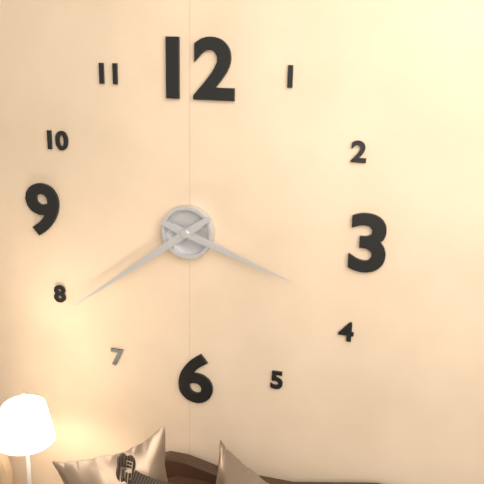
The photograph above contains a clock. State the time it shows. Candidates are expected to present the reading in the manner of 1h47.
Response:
3h39
